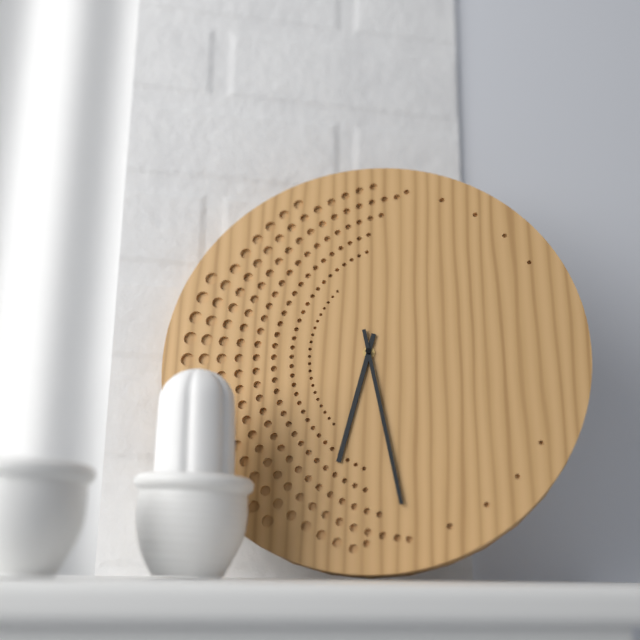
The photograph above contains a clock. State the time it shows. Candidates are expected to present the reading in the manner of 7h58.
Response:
6h28
